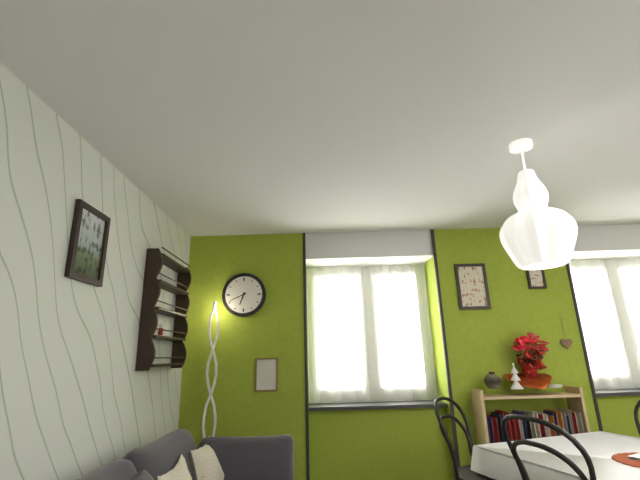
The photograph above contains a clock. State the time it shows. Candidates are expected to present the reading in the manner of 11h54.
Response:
6h41
